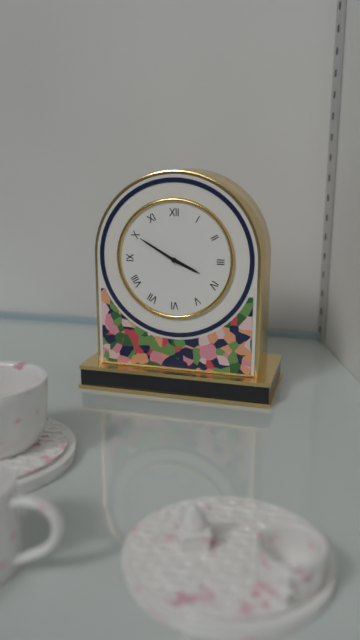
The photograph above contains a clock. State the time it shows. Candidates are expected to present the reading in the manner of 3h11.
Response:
3h50
